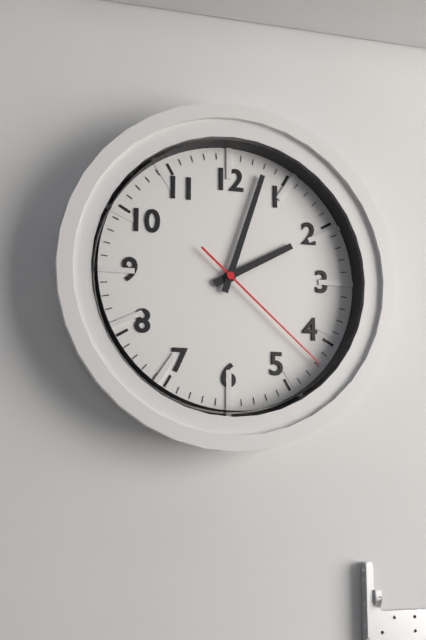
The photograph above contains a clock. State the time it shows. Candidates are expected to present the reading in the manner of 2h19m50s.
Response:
2h03m22s
